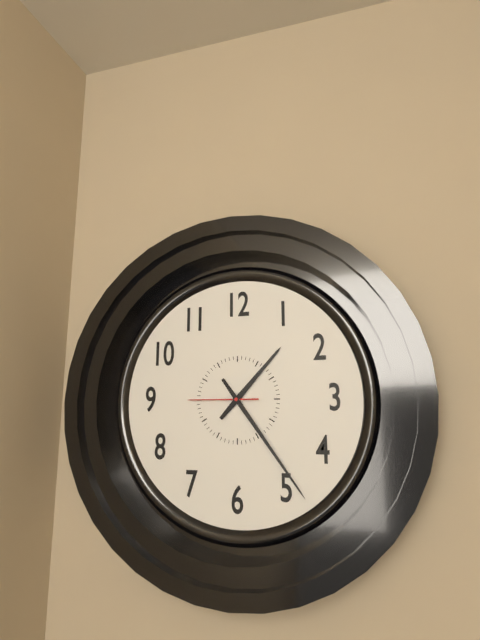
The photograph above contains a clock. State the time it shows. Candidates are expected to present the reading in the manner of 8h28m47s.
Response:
1h24m45s
